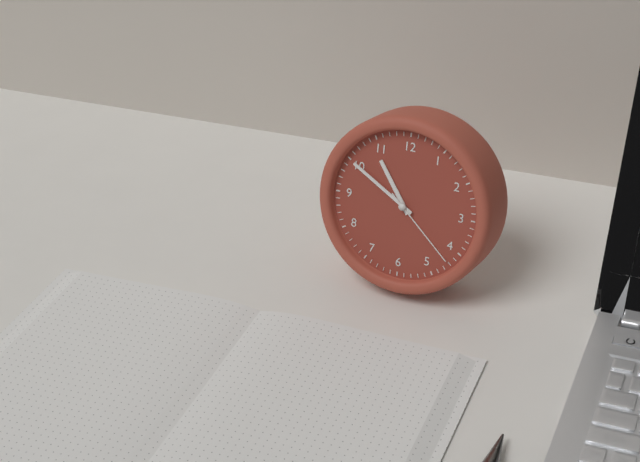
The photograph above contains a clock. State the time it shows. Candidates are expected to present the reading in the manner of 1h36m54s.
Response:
10h50m22s
